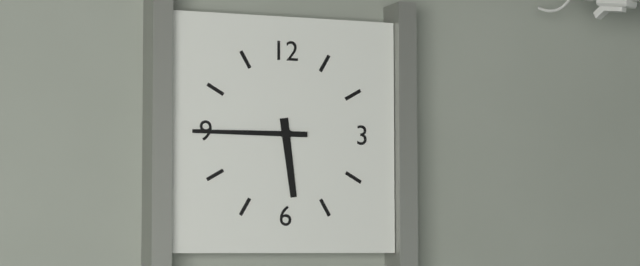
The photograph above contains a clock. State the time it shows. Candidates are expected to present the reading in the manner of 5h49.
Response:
5h45
